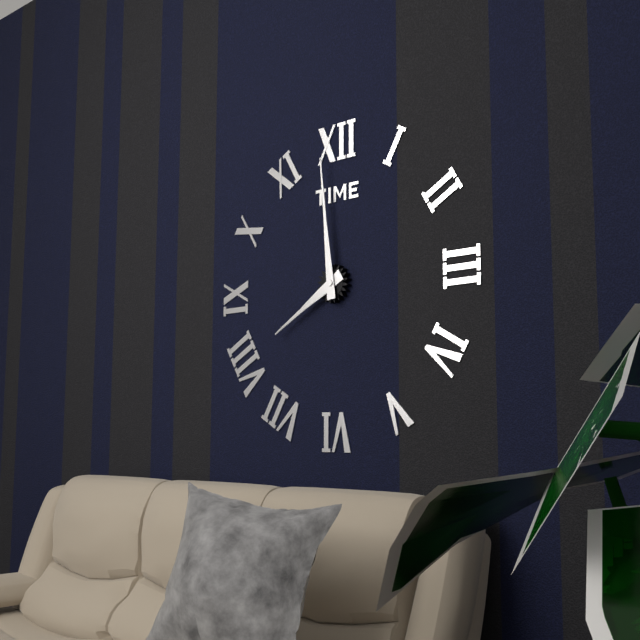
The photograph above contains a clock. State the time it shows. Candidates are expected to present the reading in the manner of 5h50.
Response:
7h59
